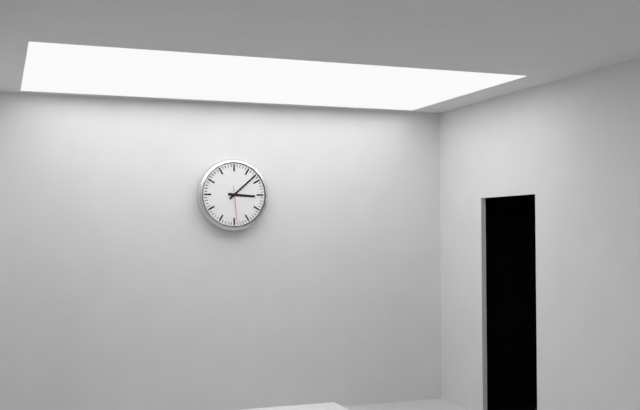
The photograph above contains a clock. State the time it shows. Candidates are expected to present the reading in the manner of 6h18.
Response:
3h08
